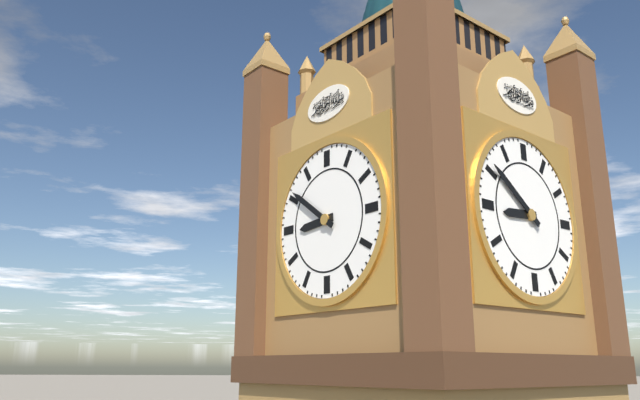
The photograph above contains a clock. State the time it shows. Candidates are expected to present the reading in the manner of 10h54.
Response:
8h51
